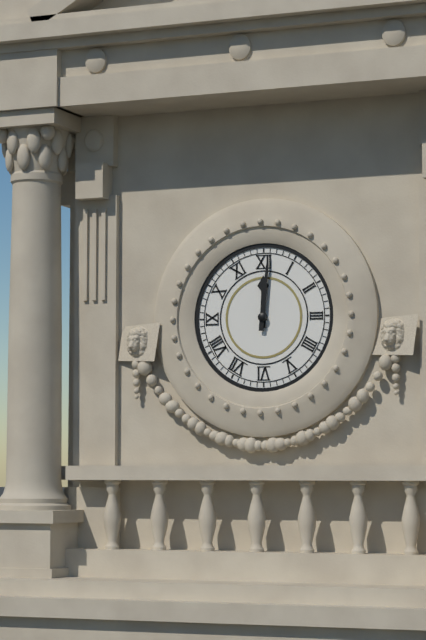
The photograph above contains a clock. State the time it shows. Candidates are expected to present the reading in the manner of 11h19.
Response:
12h01
